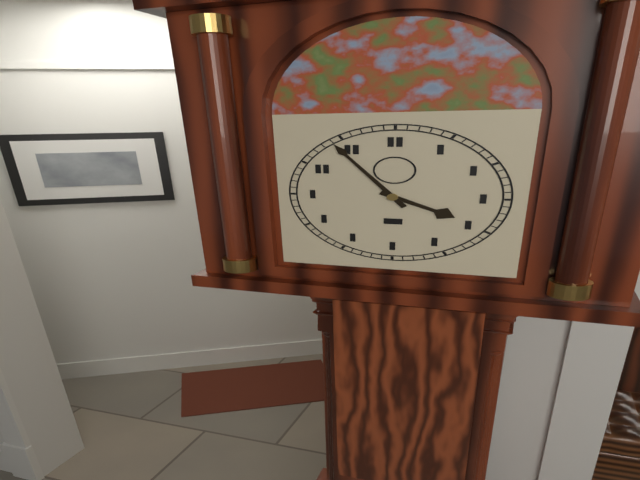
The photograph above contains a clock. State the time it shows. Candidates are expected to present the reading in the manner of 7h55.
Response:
3h54
